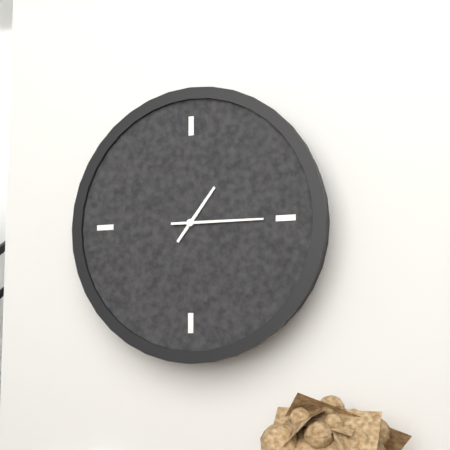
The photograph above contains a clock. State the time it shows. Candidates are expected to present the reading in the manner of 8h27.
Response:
1h15
